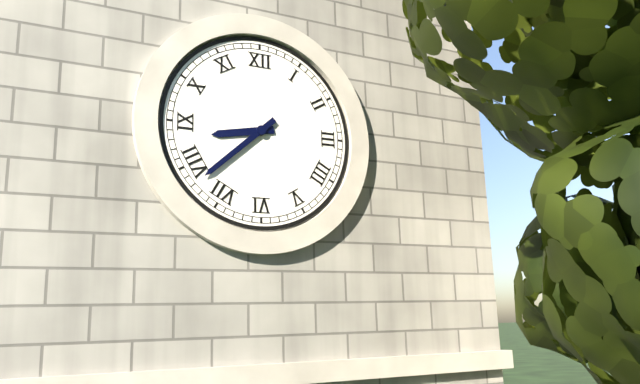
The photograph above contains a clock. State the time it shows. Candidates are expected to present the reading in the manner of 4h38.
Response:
8h38
